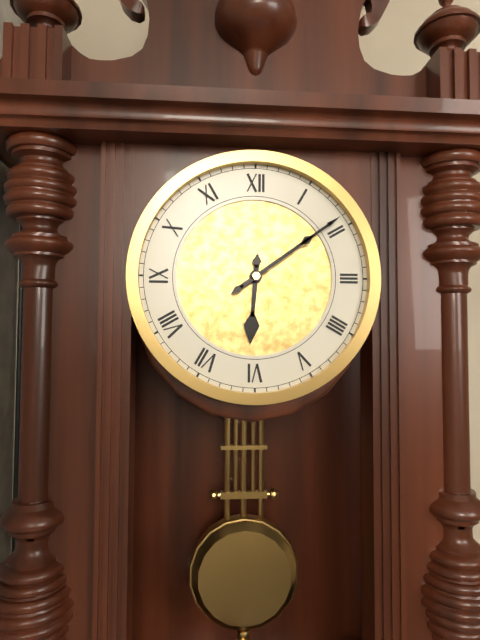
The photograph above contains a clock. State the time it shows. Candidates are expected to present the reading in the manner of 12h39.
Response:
6h09
